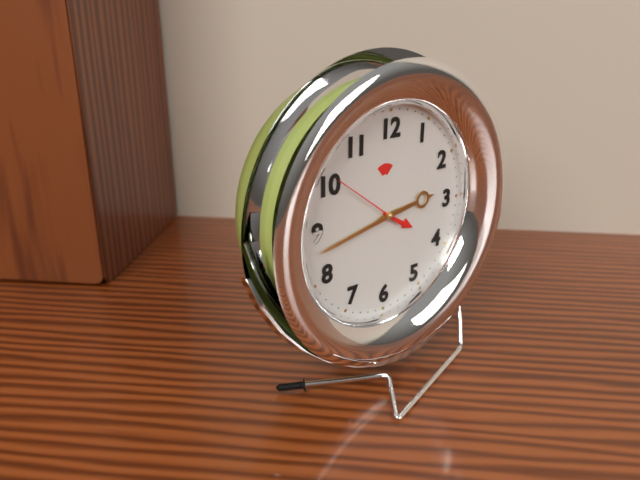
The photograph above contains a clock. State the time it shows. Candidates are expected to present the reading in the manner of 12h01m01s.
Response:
2h43m51s
